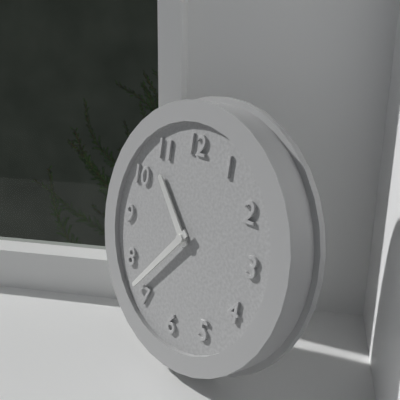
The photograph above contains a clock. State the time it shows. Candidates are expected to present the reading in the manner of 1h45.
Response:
10h37
